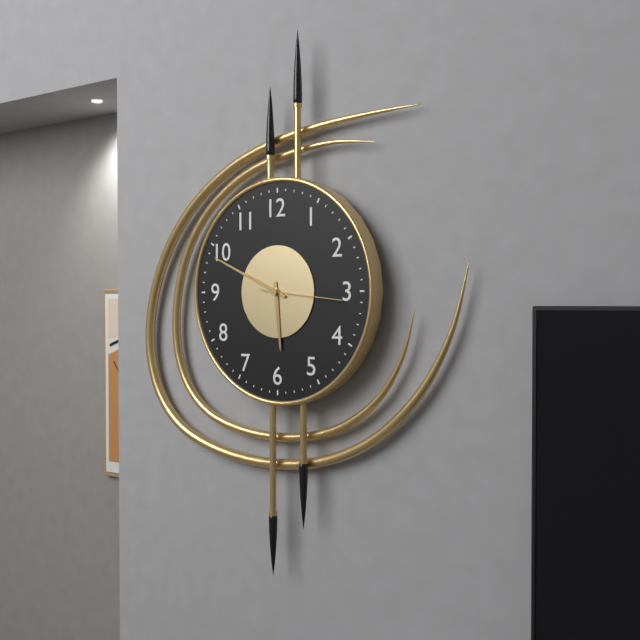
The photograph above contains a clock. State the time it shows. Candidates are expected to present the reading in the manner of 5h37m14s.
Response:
5h49m16s
